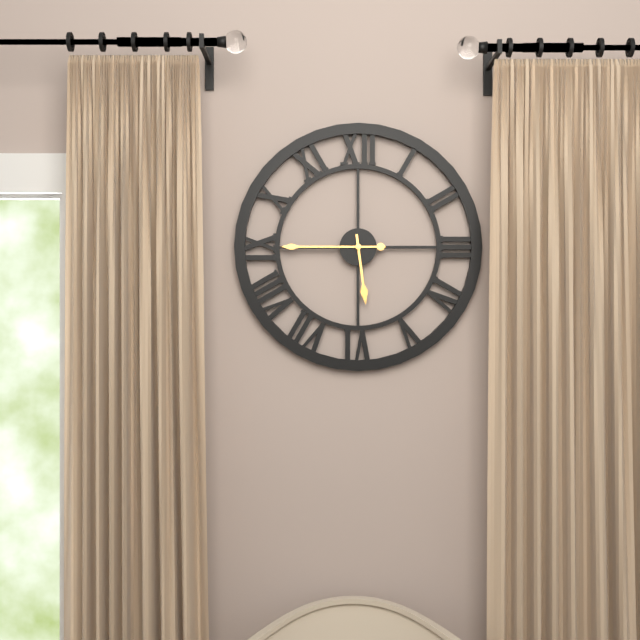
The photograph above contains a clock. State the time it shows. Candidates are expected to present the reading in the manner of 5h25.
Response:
5h45
